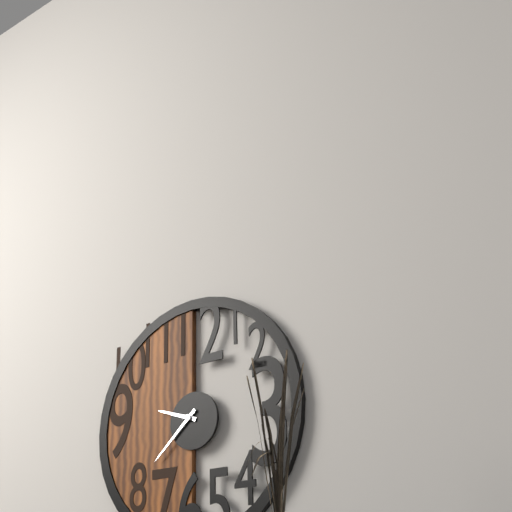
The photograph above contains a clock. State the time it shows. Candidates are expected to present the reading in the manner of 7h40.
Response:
9h38
